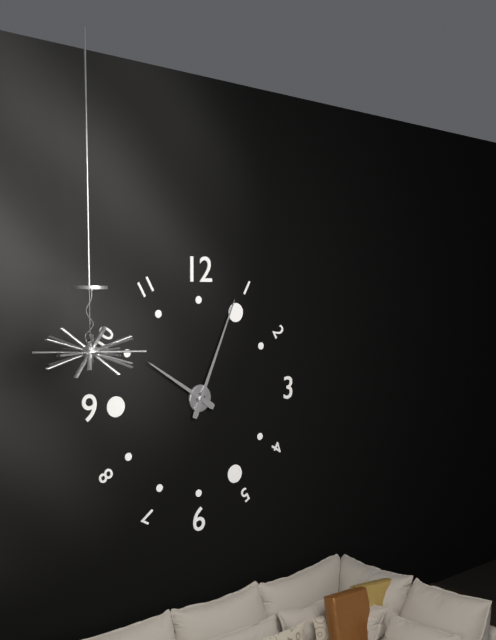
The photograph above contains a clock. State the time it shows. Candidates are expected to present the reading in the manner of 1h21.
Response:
10h04
